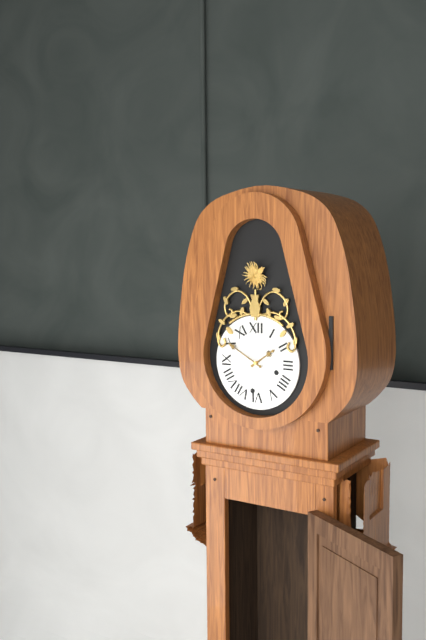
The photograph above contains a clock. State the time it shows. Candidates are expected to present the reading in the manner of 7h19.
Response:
1h50
